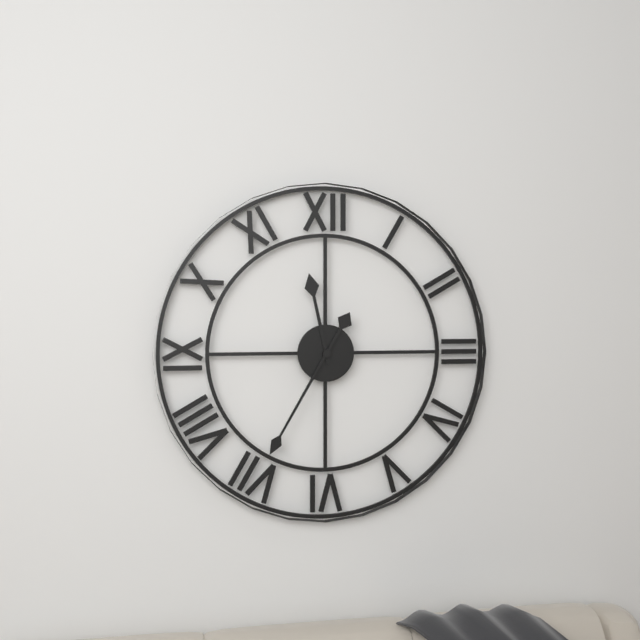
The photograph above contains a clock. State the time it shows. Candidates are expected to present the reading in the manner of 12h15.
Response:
11h35
